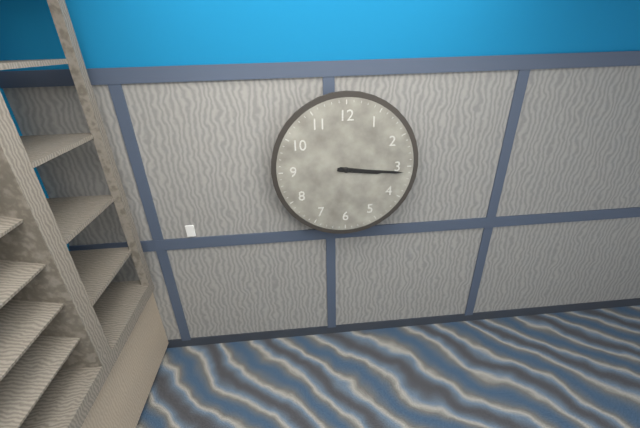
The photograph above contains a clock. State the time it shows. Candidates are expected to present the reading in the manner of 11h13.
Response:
3h16
